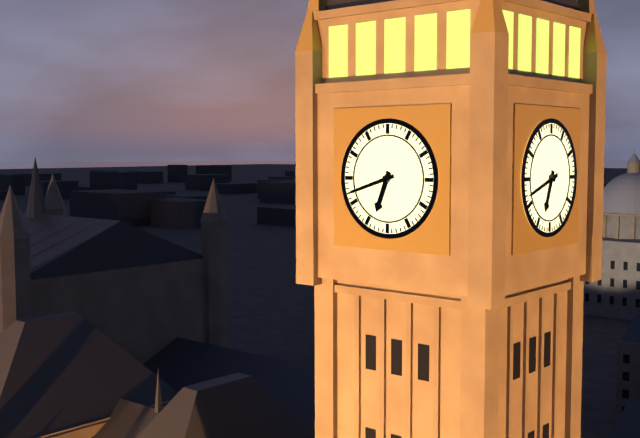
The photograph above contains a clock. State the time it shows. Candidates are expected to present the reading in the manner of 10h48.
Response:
6h42
